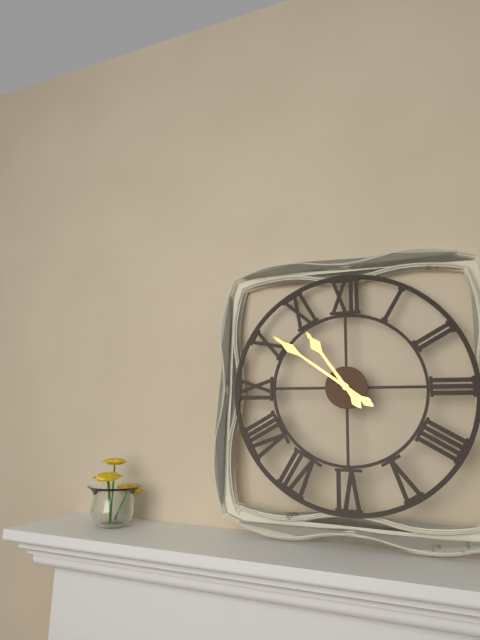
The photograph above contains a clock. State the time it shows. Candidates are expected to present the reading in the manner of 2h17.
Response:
10h51
